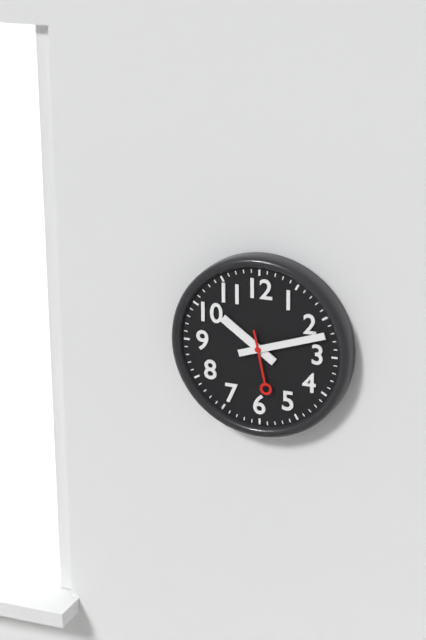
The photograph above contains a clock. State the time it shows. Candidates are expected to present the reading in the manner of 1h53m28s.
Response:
10h12m28s
